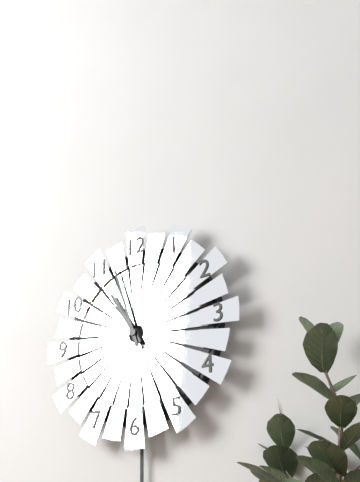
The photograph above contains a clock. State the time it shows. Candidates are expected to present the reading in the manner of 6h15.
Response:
10h57
